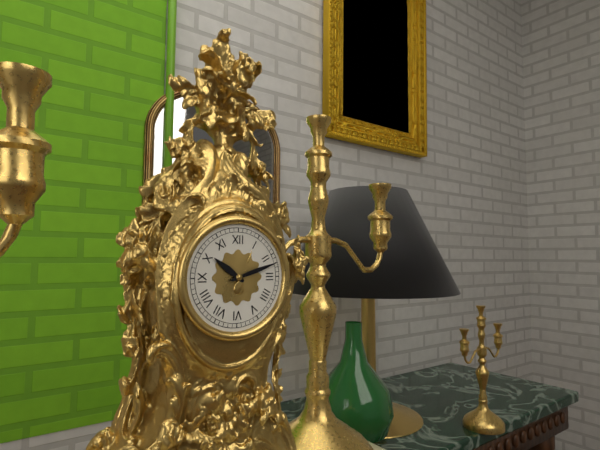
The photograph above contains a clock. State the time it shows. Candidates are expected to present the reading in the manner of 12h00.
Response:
10h12
